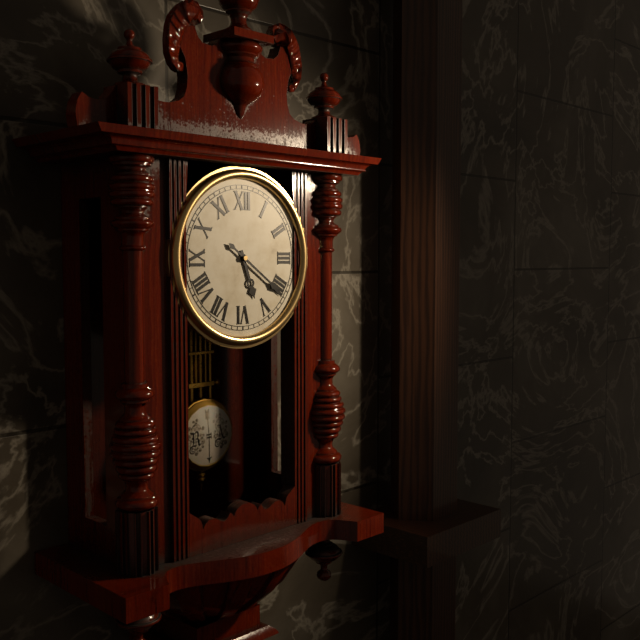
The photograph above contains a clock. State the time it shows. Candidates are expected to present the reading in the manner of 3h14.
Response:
5h21
